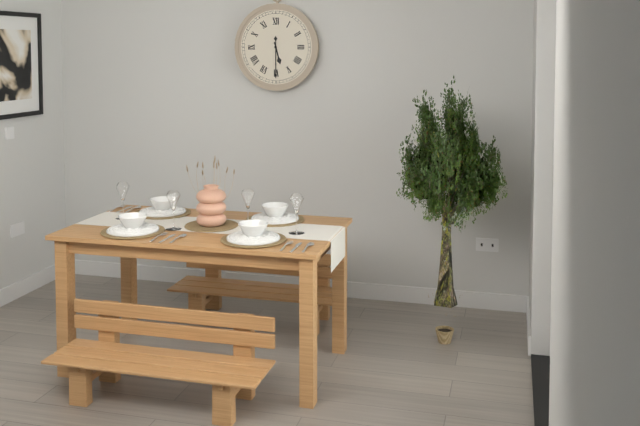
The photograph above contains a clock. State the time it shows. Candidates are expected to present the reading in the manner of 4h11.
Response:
5h30
